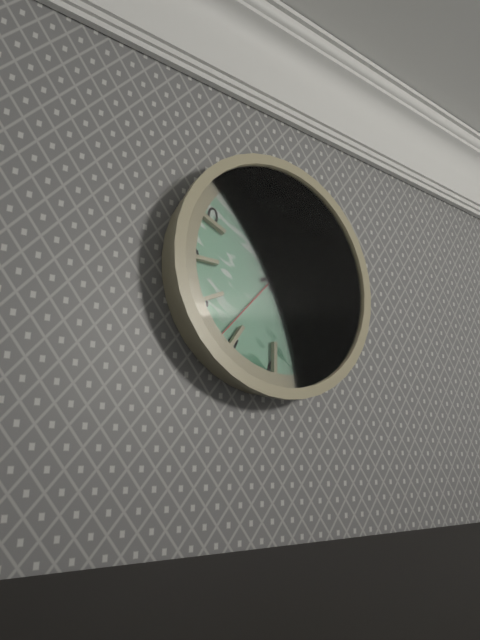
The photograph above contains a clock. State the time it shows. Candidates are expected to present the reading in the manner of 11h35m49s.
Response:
12h12m37s
